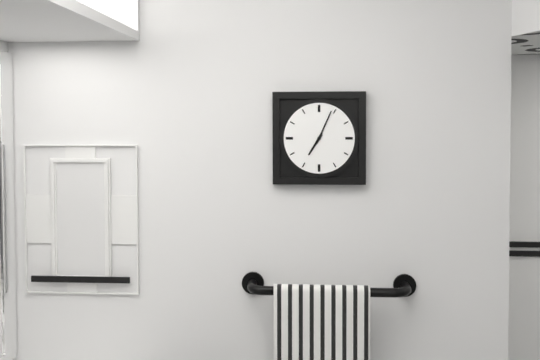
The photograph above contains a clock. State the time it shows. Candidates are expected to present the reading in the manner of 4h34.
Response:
7h04
